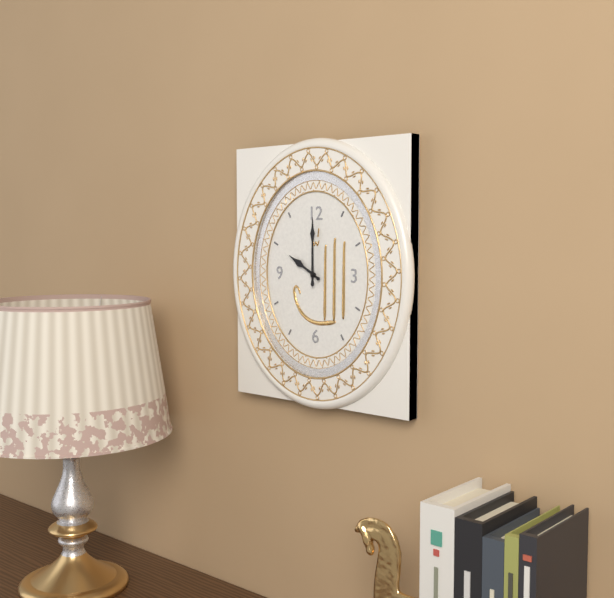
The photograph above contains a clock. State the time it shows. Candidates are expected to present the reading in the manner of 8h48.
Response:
10h00
